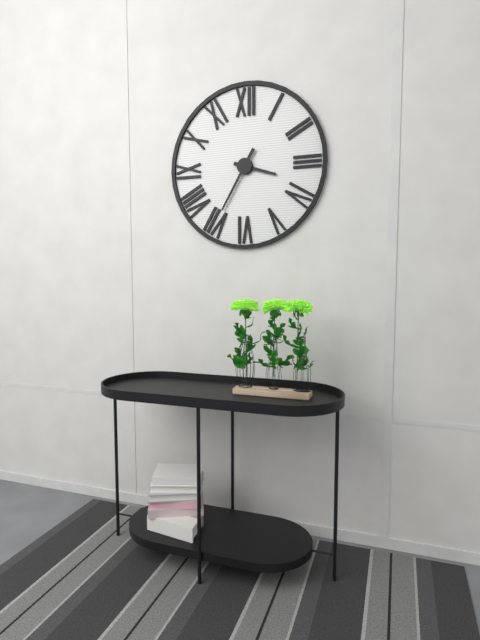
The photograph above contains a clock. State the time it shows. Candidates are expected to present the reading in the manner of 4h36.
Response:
3h35
